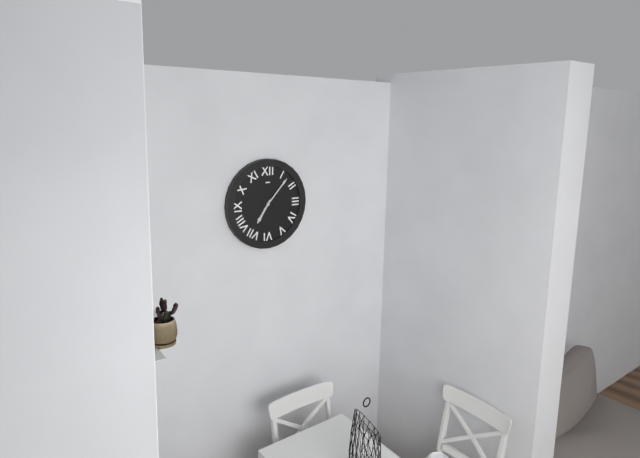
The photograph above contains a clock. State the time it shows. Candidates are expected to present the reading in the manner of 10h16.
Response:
7h07
